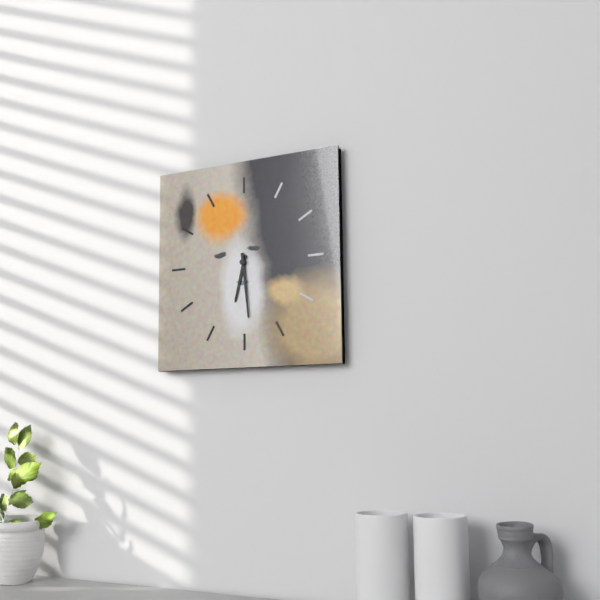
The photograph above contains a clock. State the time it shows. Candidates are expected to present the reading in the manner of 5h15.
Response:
6h29
